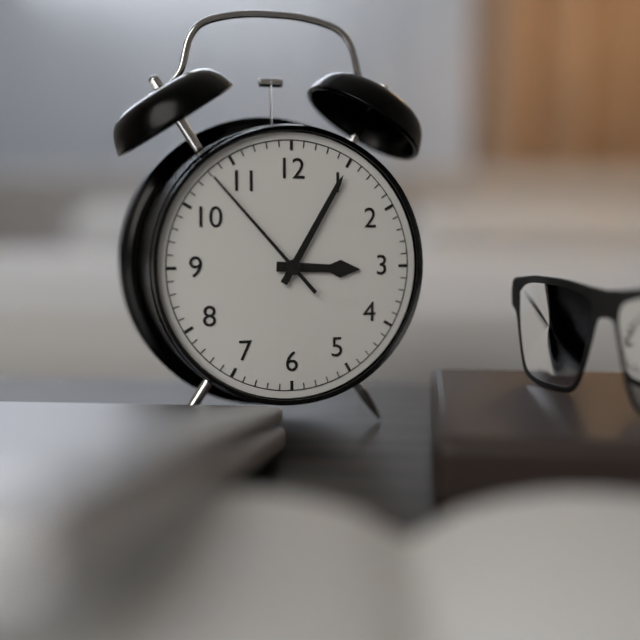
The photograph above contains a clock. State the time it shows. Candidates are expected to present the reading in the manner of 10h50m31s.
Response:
3h05m53s
